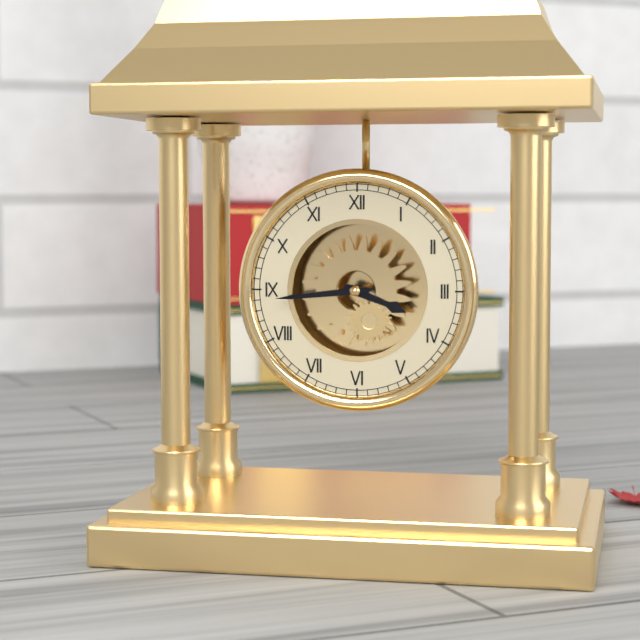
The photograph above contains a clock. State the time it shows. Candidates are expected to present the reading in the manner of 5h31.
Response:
3h44
